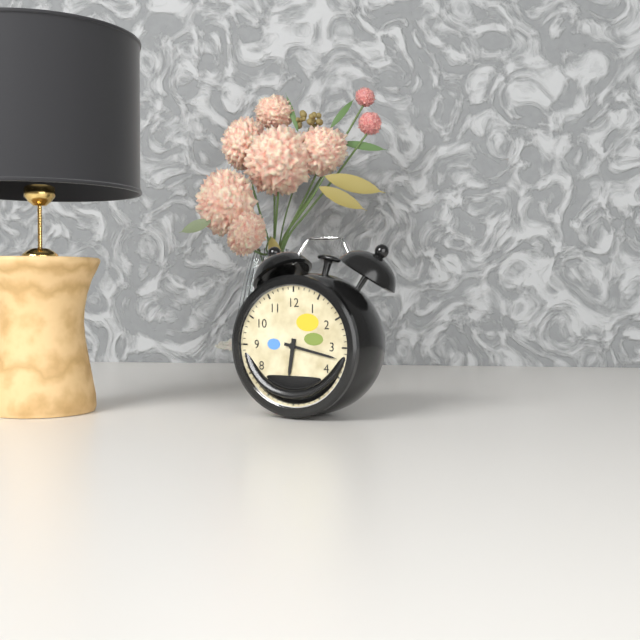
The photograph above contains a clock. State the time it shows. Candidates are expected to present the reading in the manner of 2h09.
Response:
6h17
